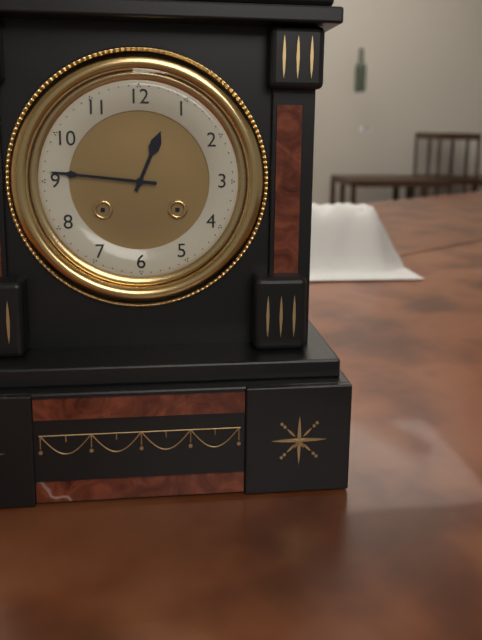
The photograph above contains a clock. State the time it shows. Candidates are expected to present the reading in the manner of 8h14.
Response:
12h46
